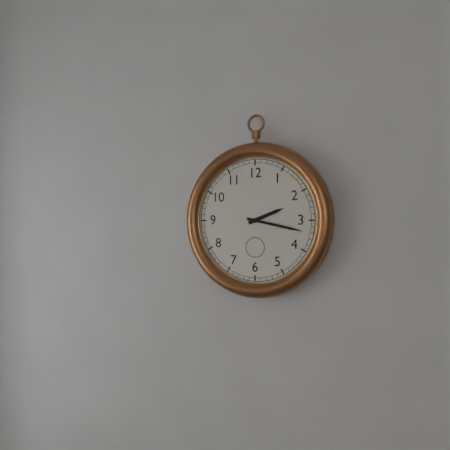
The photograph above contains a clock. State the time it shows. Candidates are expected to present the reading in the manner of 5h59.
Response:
2h17
